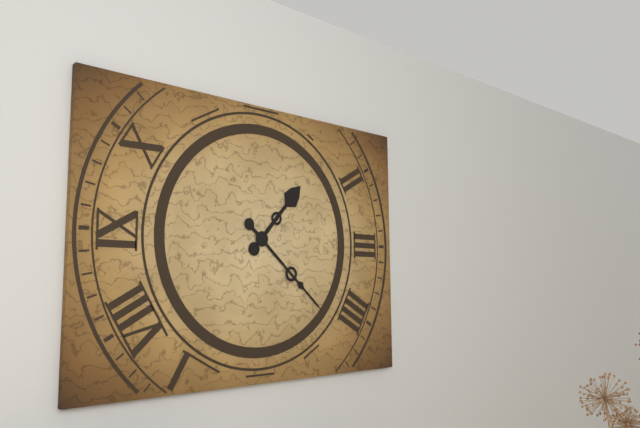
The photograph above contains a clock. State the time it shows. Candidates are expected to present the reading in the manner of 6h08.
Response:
1h22
